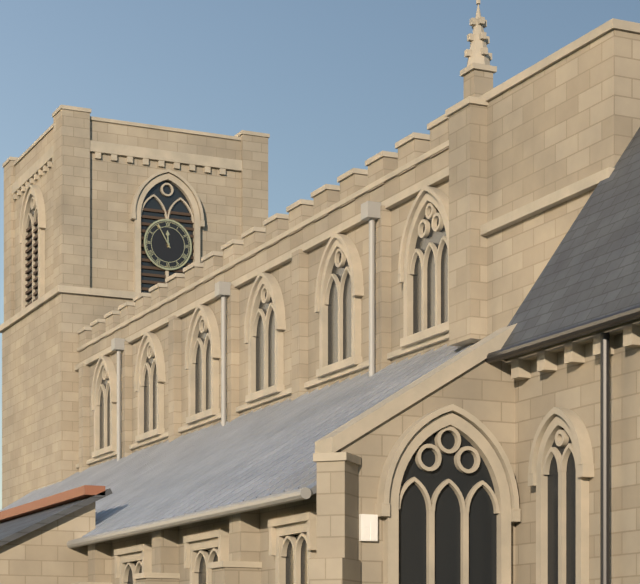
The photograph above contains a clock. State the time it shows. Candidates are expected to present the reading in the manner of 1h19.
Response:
11h55
